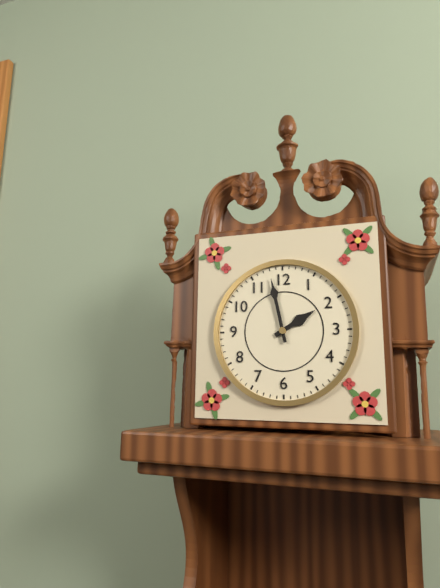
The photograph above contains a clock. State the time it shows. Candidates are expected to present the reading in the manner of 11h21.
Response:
1h58
